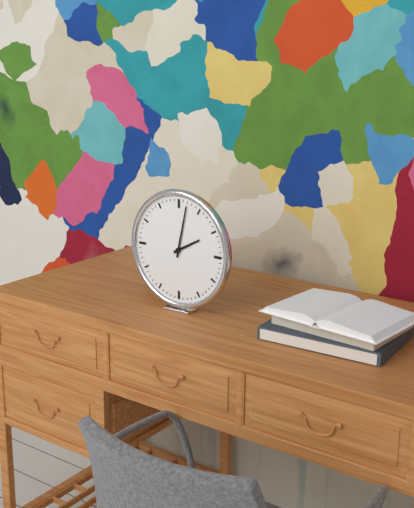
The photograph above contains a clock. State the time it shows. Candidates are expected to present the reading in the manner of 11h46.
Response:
2h02
